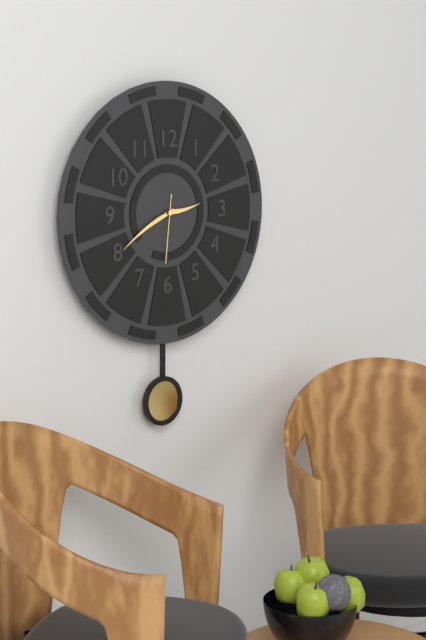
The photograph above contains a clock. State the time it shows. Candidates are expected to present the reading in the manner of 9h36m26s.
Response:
2h40m31s
